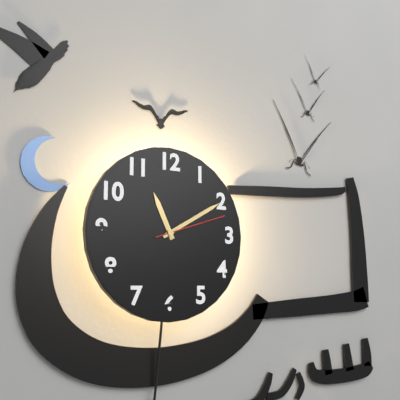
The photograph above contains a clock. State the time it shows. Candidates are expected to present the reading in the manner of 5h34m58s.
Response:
11h10m12s
